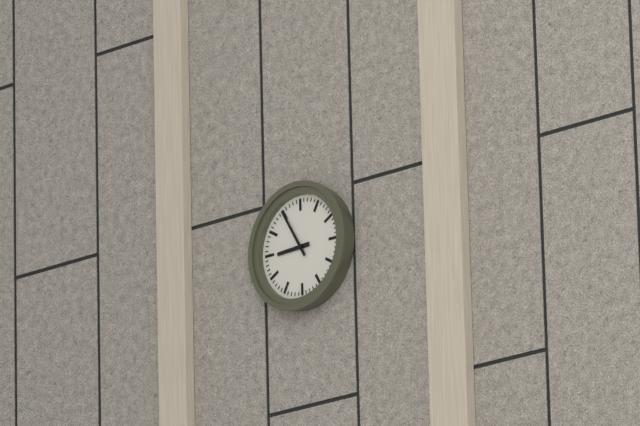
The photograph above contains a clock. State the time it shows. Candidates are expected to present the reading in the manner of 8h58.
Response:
8h55
